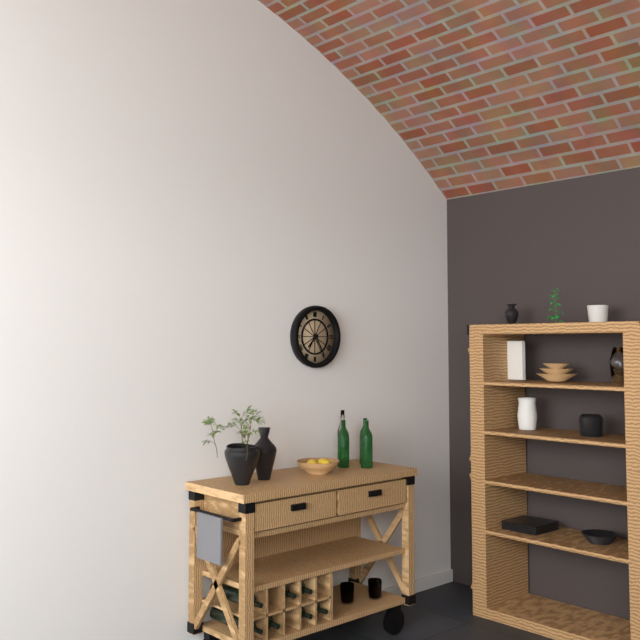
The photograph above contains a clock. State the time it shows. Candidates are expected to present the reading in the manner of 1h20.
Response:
7h25
